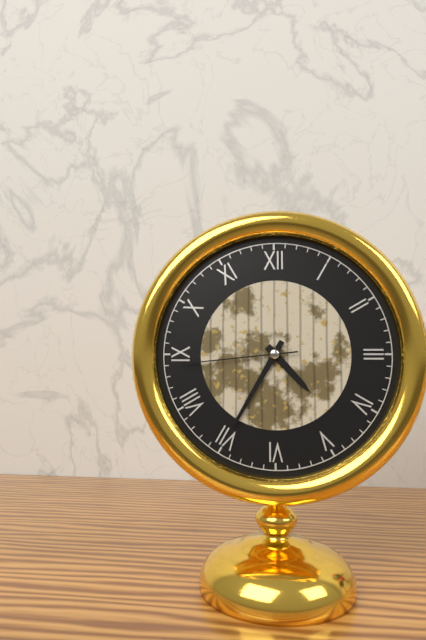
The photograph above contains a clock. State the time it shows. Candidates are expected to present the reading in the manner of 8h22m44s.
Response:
4h35m44s
